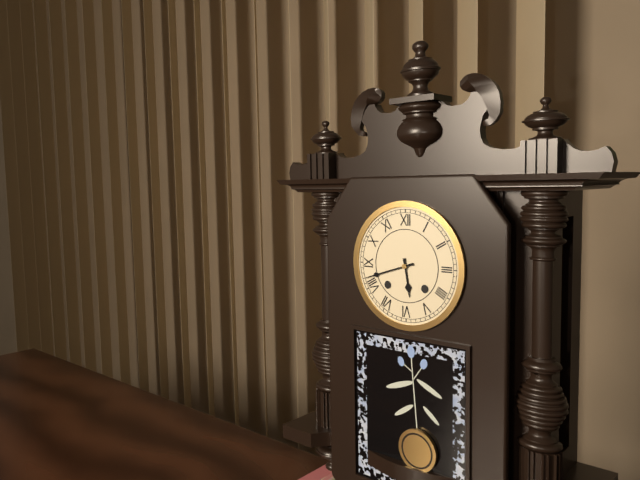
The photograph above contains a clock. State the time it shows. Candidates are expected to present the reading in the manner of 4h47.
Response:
5h42
